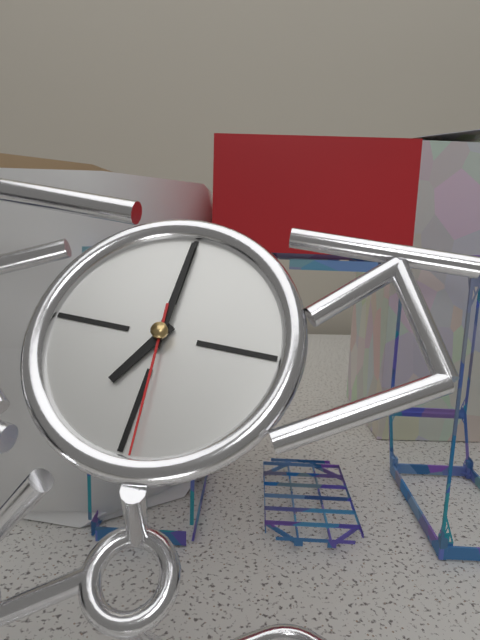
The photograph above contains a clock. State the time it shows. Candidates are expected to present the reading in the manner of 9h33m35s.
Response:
7h00m29s
